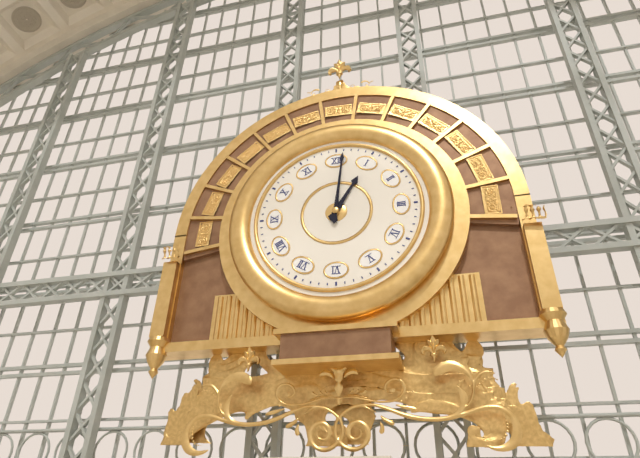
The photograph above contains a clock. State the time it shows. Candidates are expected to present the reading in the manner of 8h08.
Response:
1h01
